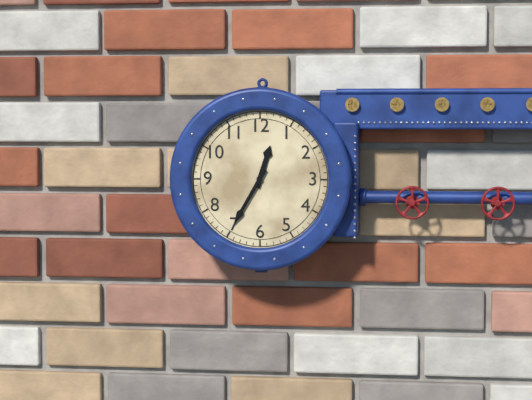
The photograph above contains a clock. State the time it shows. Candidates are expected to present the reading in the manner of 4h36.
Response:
12h35
